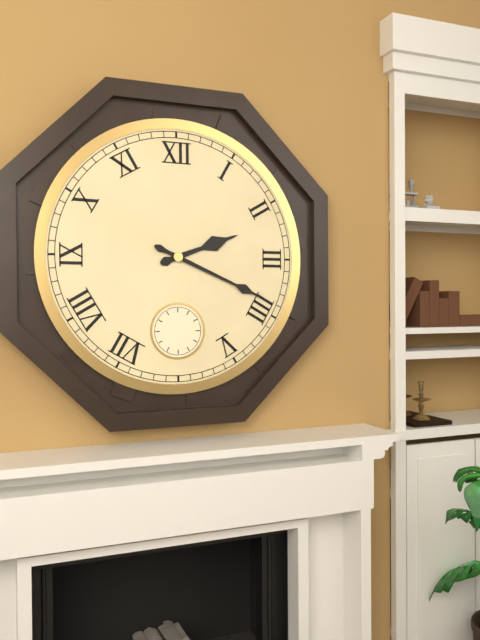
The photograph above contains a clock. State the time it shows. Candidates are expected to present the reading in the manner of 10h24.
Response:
2h19
